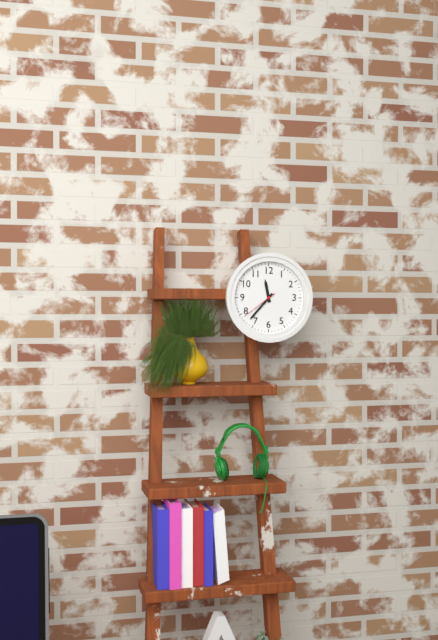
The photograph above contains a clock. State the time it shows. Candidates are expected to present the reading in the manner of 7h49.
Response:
11h37
